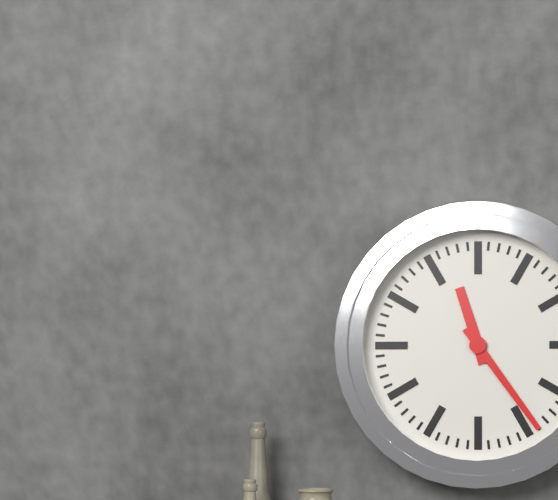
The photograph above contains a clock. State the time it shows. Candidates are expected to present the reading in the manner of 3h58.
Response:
11h24
